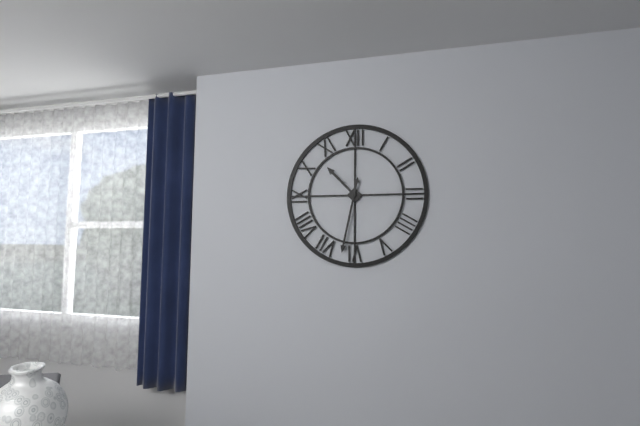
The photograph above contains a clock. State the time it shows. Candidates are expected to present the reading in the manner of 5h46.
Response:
10h32
